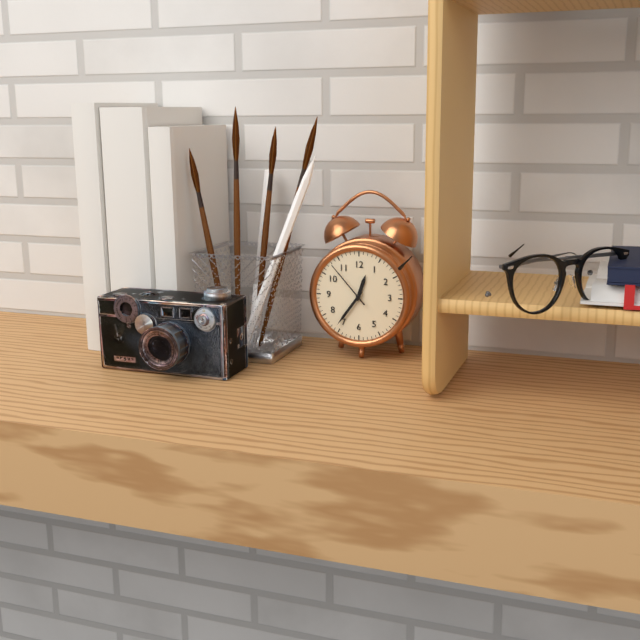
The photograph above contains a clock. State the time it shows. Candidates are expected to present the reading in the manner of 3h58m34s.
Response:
12h36m53s
